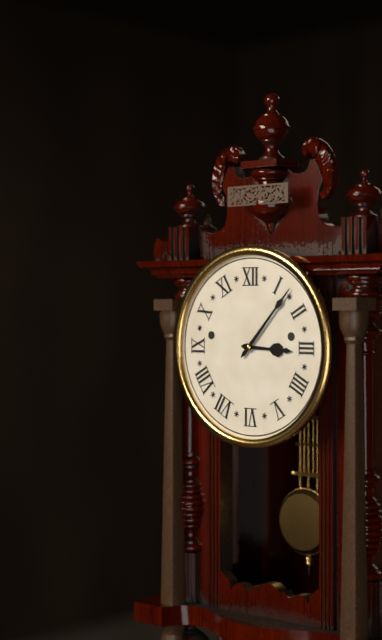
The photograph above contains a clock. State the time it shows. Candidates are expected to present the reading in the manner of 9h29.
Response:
3h07
